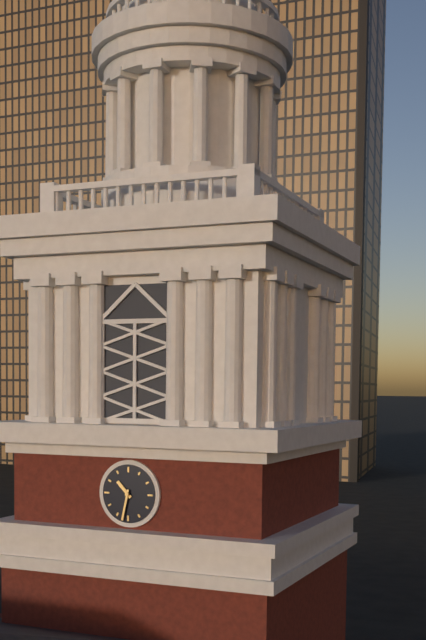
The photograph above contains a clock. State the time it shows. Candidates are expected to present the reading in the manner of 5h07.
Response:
10h32
